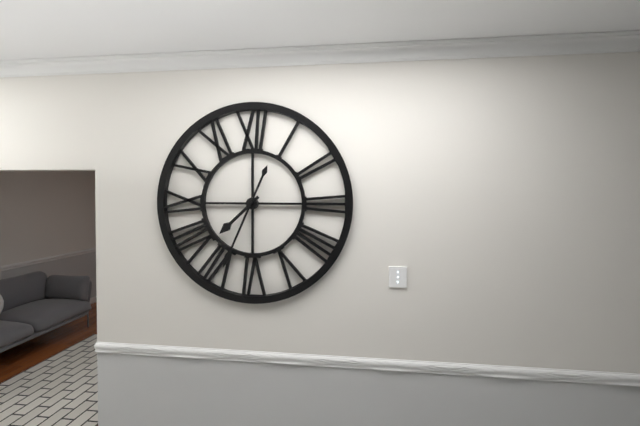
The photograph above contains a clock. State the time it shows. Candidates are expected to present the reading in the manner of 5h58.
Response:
7h34
